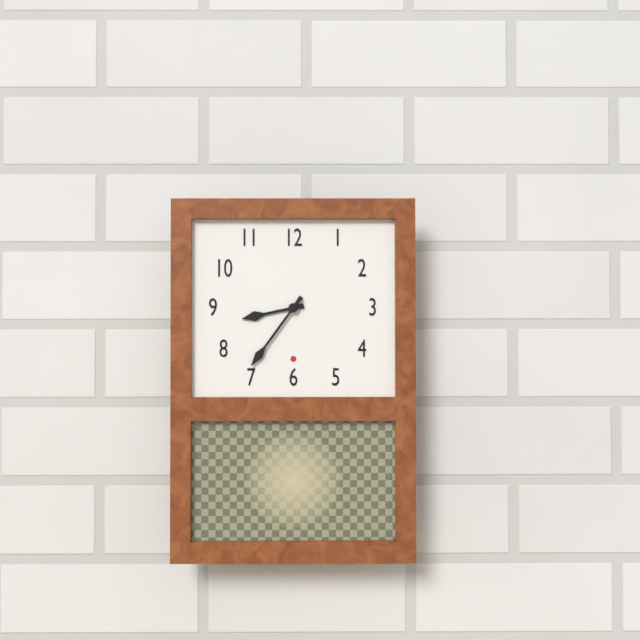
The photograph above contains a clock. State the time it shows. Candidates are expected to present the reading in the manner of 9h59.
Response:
8h36
